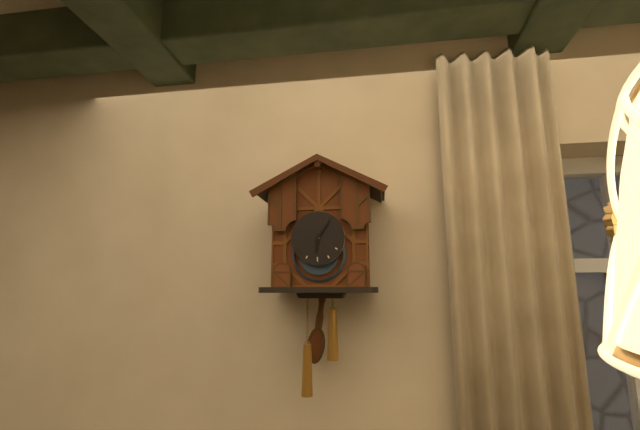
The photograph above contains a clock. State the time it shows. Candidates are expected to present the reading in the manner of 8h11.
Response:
6h06
